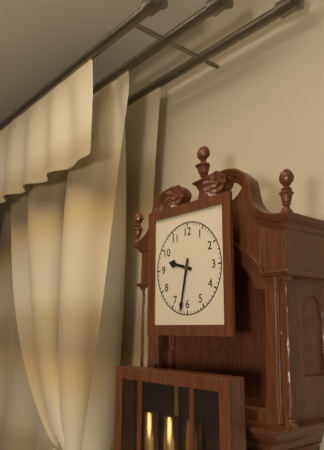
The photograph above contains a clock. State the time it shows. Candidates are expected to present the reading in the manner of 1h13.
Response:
9h32
